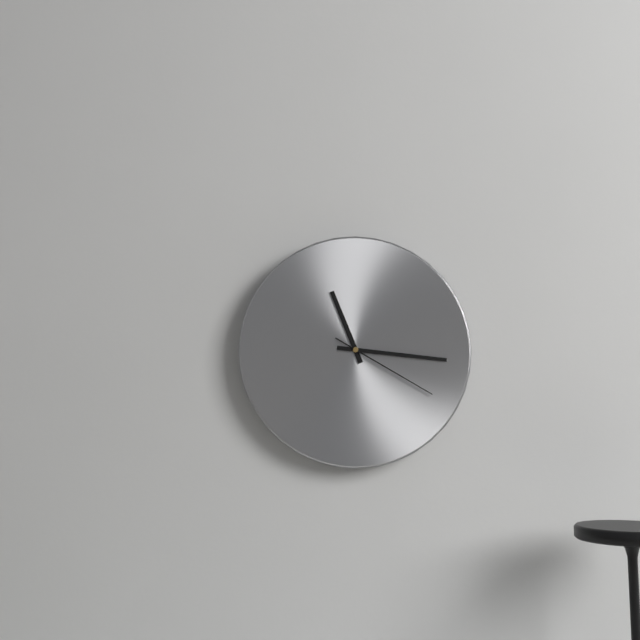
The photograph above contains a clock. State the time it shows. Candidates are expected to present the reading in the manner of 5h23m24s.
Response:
11h16m20s
